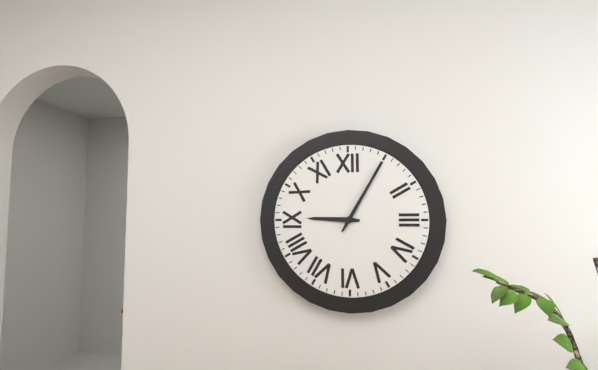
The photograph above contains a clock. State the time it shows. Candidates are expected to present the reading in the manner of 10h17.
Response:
9h05
